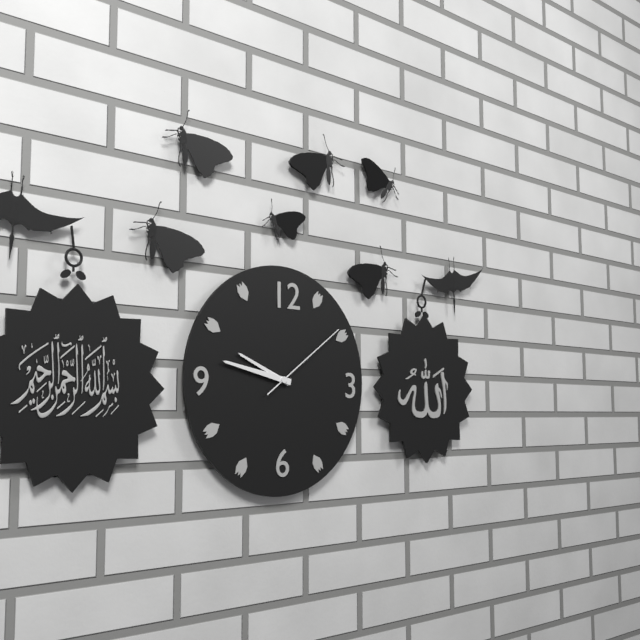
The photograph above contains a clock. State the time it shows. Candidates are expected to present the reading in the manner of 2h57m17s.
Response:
9h47m09s
